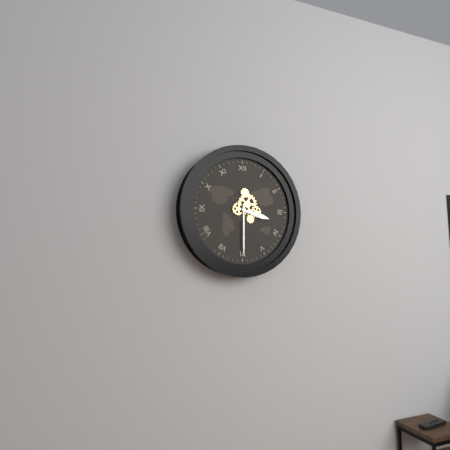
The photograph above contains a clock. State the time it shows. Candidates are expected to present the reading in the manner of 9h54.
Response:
3h30
